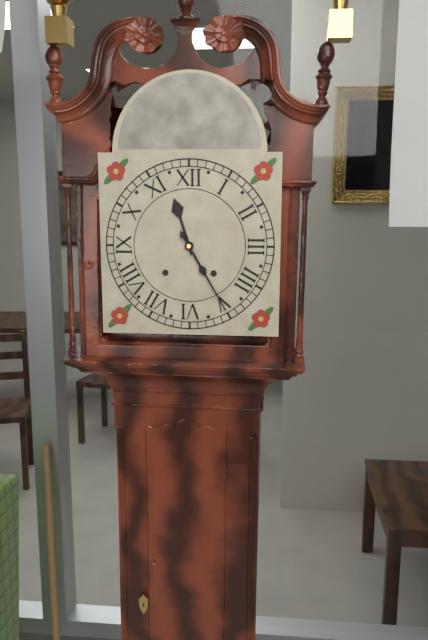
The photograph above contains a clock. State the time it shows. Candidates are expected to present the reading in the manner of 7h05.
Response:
11h25
